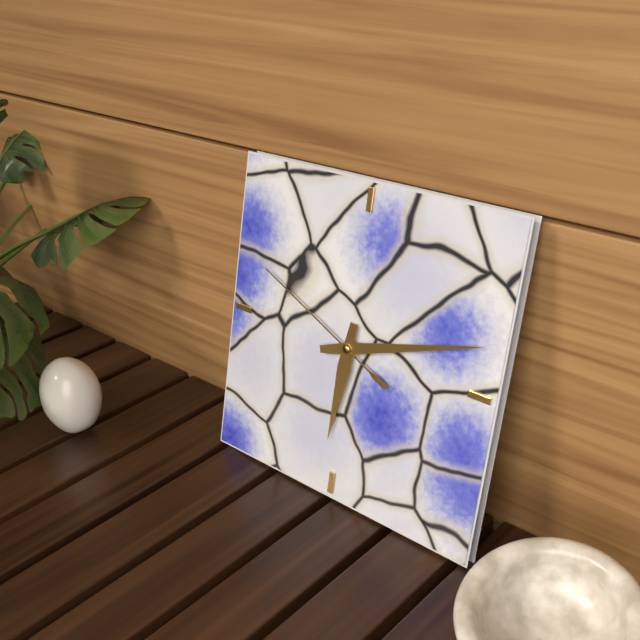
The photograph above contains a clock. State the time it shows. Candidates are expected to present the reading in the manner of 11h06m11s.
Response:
6h12m49s
